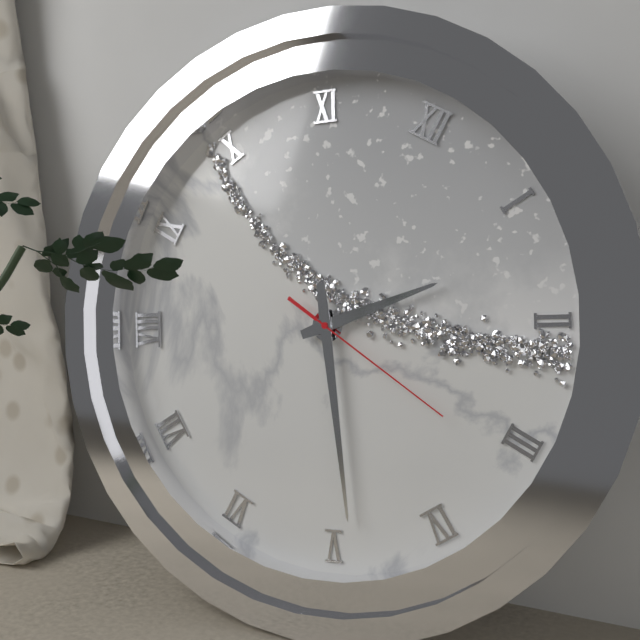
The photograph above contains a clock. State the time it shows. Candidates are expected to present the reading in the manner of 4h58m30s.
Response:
1h24m16s
